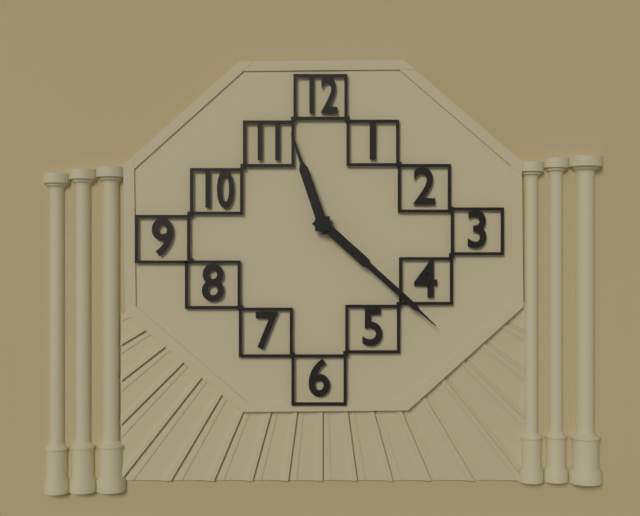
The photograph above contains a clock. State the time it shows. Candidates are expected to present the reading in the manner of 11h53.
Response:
11h22
